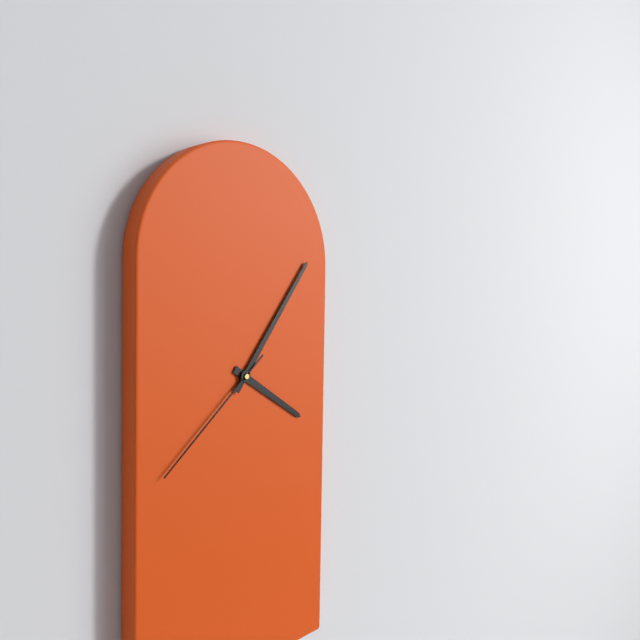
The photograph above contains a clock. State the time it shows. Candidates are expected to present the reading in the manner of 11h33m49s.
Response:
4h06m38s
